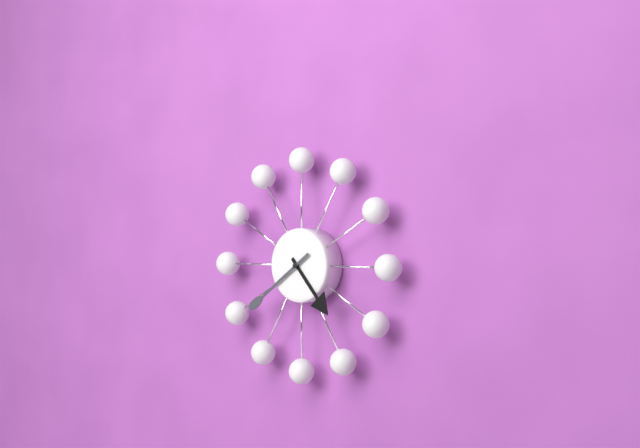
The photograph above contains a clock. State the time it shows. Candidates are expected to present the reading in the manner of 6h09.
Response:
4h39
